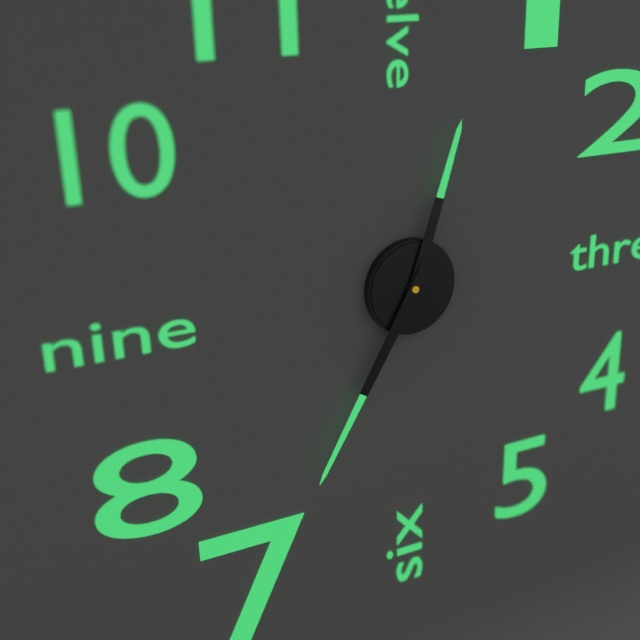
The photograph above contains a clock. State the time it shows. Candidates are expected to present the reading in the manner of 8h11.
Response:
12h35
